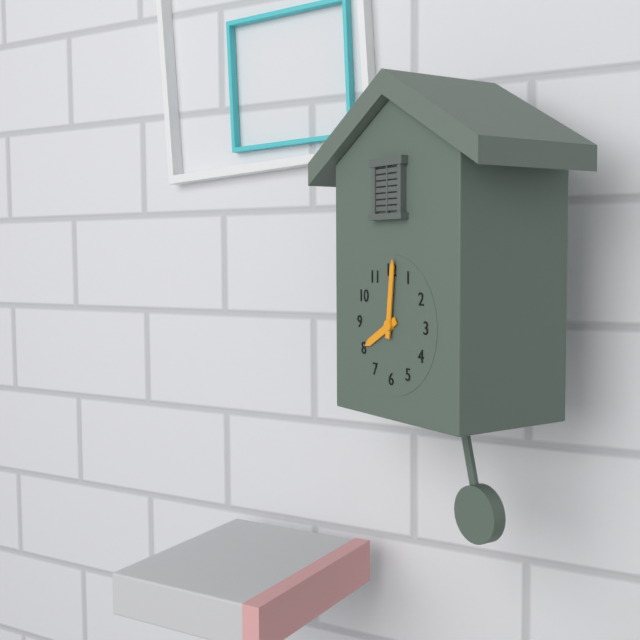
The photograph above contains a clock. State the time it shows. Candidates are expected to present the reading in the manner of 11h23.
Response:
8h01
